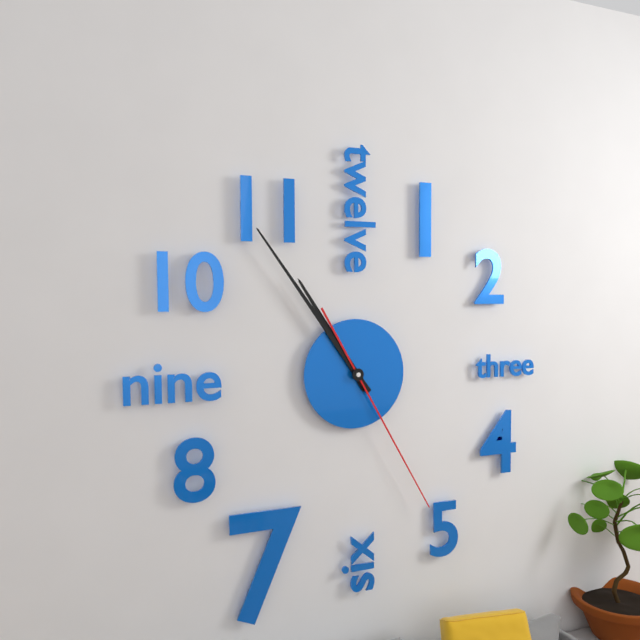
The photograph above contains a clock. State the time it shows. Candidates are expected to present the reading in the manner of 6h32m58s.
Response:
10h54m25s
